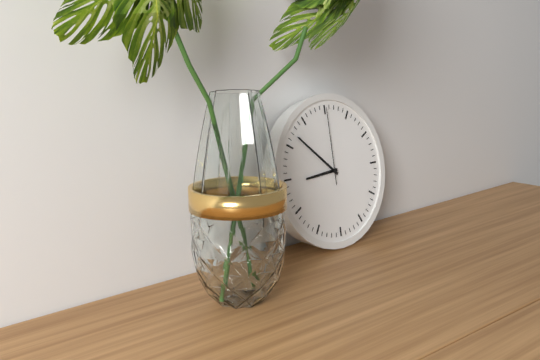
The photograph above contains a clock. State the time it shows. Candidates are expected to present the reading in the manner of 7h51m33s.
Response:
8h52m00s
